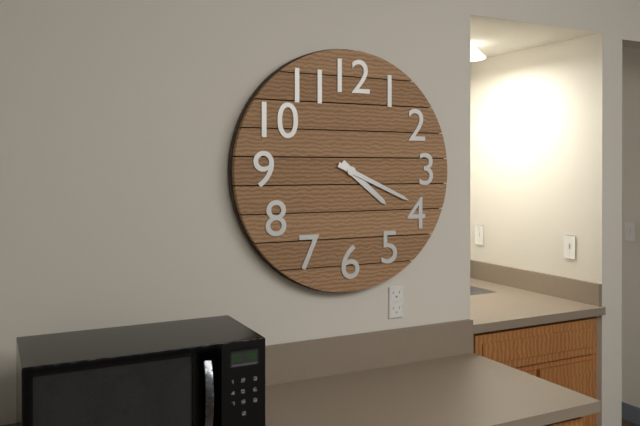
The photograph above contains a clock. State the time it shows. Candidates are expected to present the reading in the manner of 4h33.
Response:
4h19
